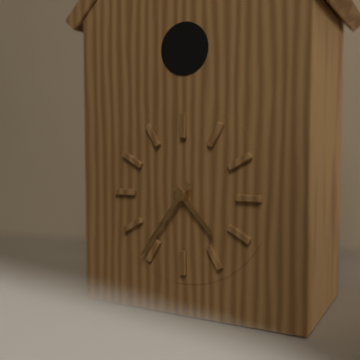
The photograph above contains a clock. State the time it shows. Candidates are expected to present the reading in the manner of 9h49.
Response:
4h36
